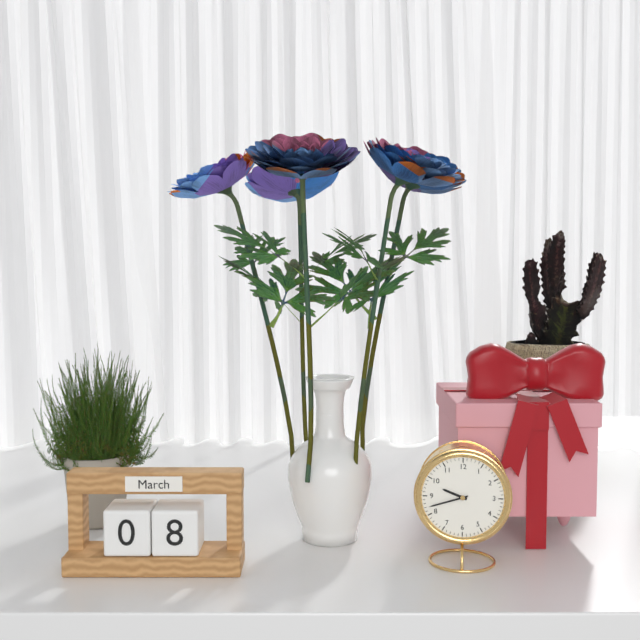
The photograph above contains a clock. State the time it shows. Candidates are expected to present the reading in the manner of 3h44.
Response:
9h42
